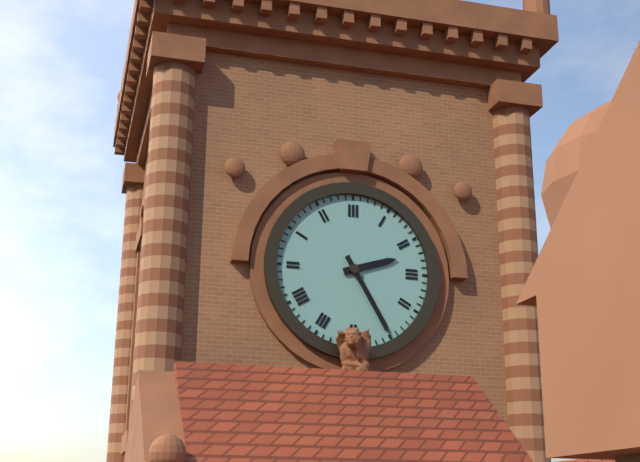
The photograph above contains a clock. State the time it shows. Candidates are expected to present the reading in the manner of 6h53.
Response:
2h25
